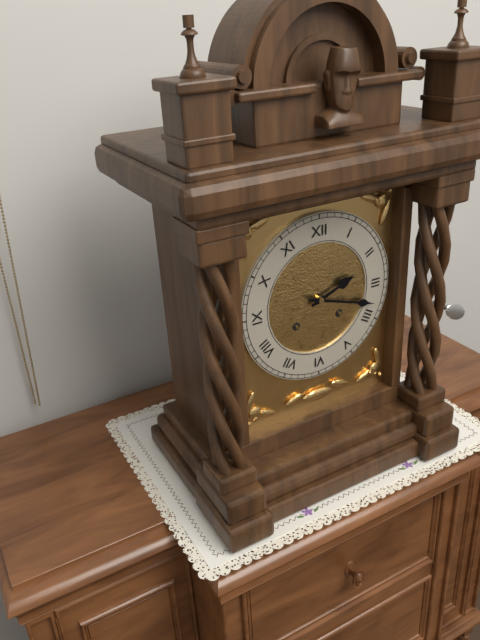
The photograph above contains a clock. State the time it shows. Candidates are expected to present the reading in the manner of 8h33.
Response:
2h18
